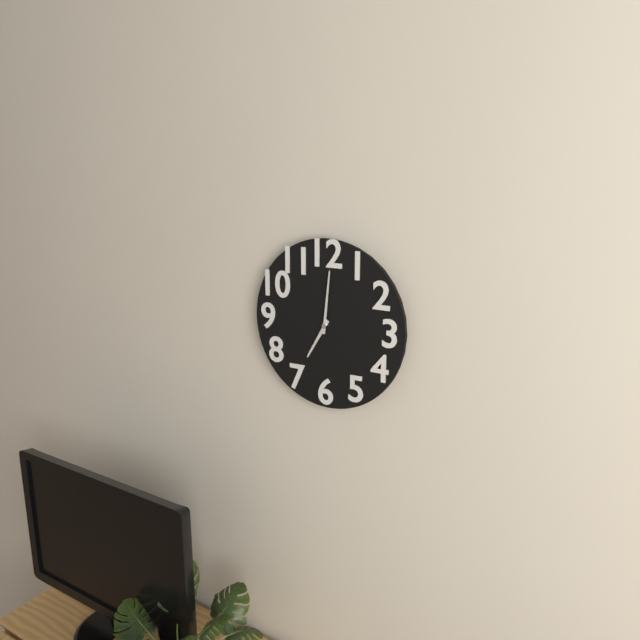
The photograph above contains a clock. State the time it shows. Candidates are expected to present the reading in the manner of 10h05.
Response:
7h01
